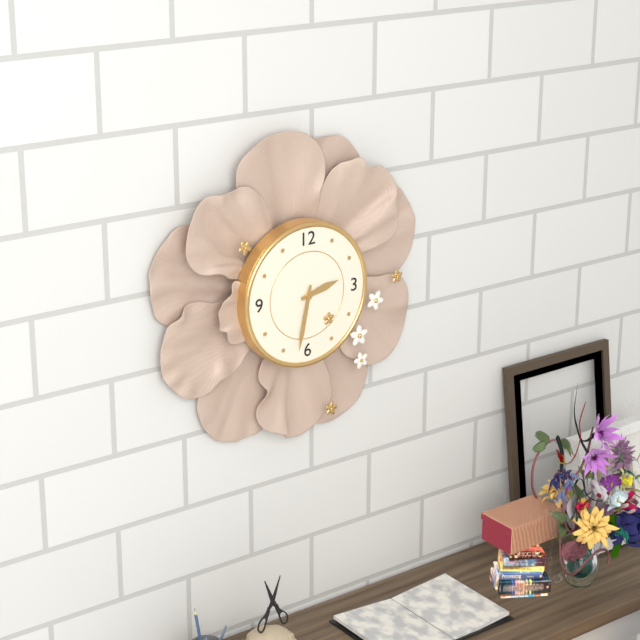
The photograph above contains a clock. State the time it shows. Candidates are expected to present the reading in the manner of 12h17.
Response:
2h32
